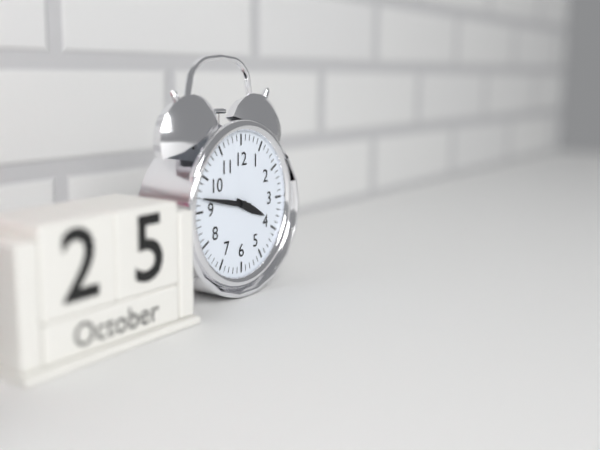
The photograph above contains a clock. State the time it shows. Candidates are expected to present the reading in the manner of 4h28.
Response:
3h47
